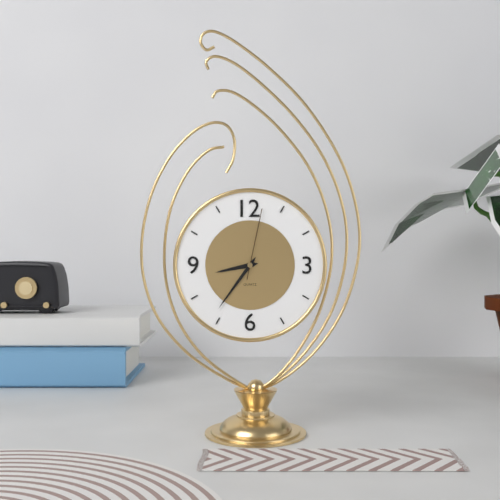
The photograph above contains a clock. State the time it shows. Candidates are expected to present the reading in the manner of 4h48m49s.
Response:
8h36m02s
